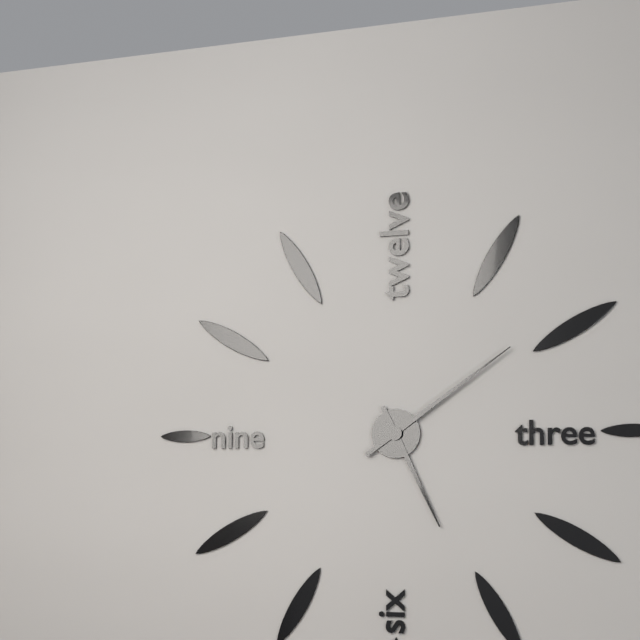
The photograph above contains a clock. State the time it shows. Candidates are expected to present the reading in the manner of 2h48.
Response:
5h09
